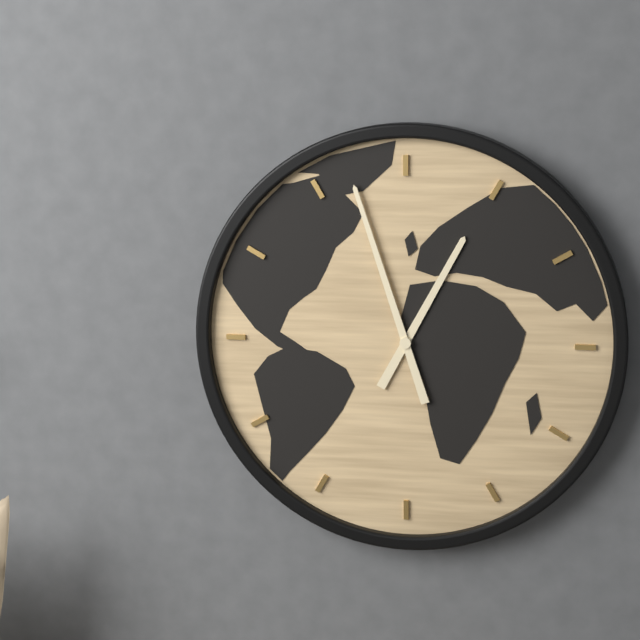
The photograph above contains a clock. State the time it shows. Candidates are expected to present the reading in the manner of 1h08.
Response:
12h57
